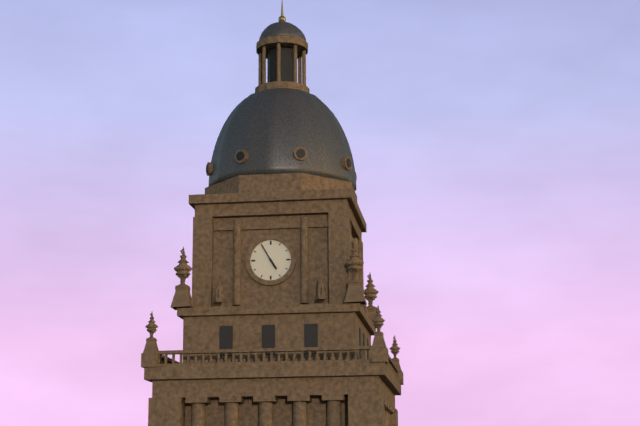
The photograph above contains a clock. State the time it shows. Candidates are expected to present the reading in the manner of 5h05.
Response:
4h55
